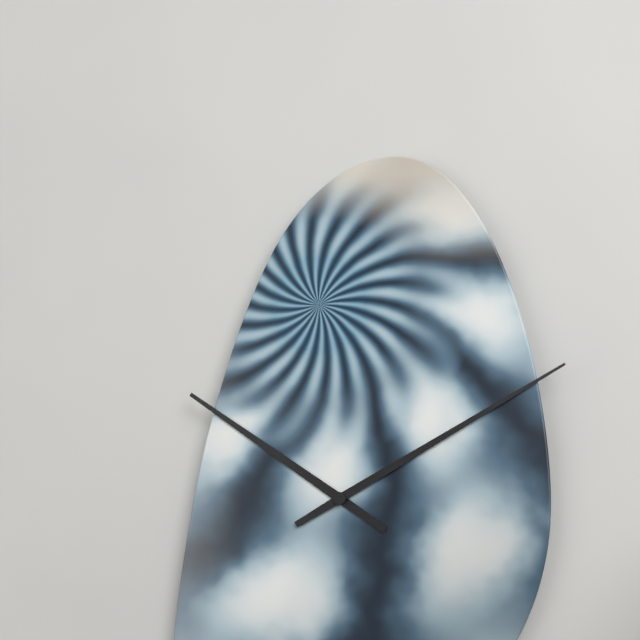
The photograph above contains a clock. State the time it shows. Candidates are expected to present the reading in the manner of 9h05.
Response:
10h10
